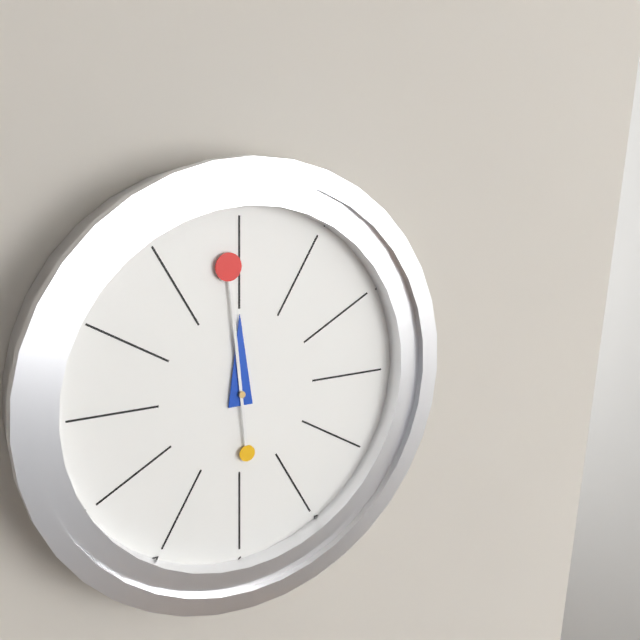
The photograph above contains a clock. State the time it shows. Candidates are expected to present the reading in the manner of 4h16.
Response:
11h59
